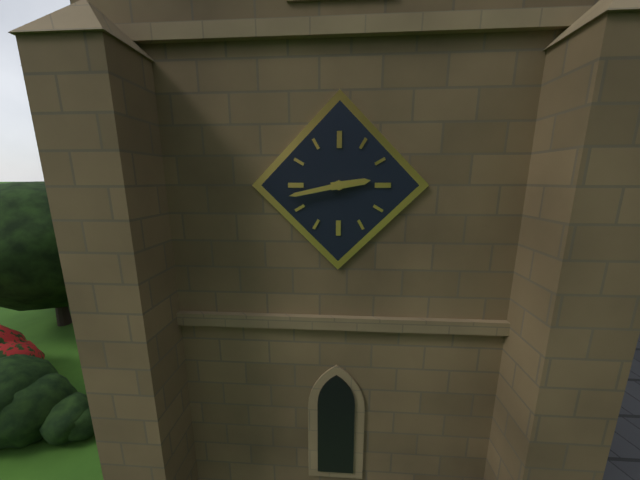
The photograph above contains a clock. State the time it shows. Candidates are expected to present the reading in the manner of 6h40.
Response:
2h43
